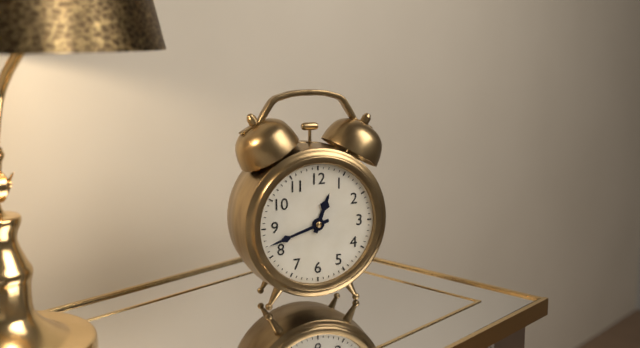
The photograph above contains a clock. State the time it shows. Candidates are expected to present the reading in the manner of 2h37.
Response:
12h42
